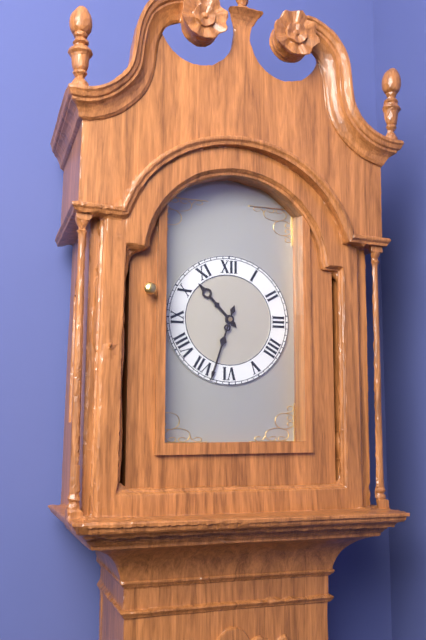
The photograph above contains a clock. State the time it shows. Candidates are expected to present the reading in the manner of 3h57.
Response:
10h33
